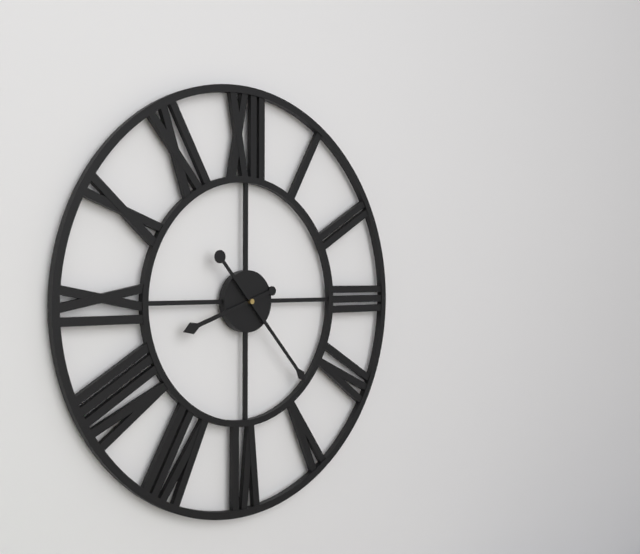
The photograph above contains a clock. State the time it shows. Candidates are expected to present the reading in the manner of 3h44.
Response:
8h23
